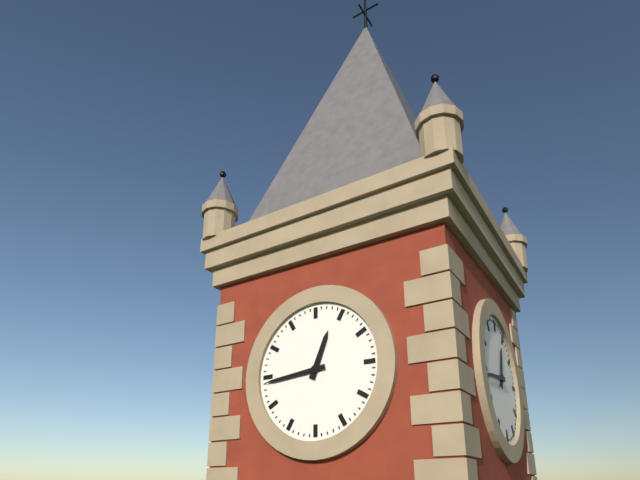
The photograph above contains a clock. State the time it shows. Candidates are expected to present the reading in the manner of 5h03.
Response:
12h44
